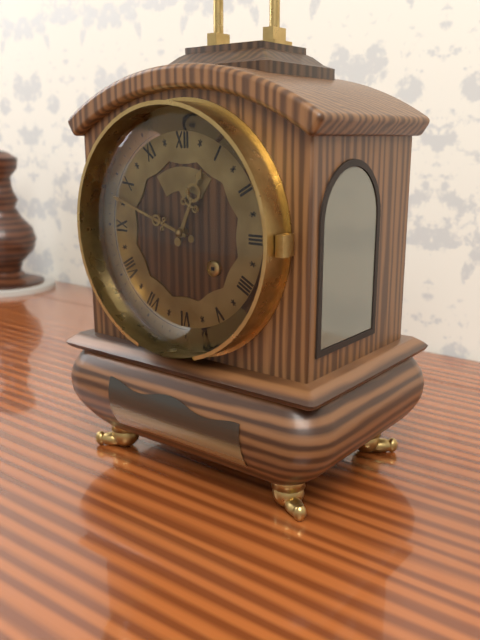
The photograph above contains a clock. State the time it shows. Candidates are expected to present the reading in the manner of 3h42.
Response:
12h48
